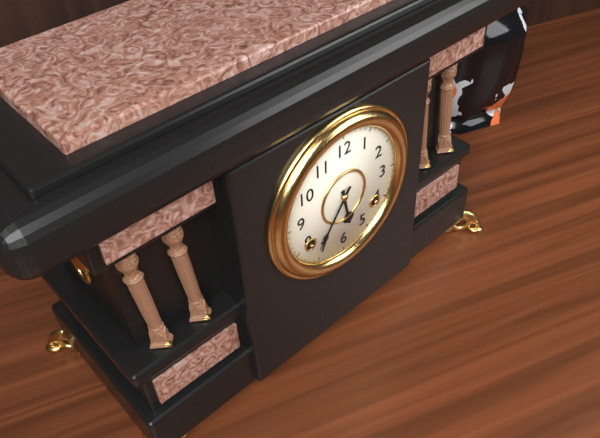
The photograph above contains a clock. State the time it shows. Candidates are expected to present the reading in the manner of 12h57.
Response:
5h36
